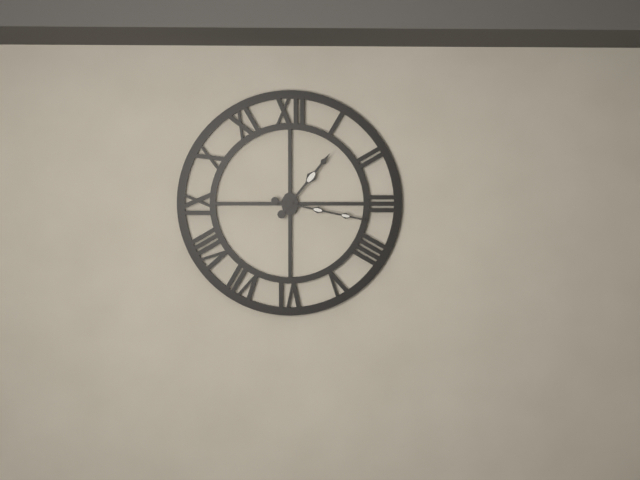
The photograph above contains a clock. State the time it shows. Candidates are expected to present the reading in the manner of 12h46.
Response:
1h17
